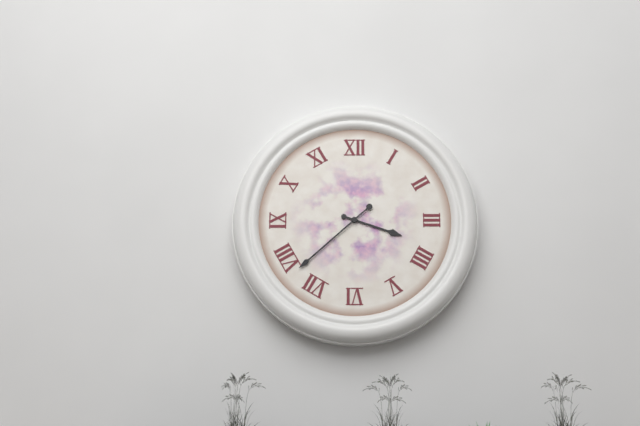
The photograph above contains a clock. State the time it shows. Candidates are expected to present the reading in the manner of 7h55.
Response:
3h38
